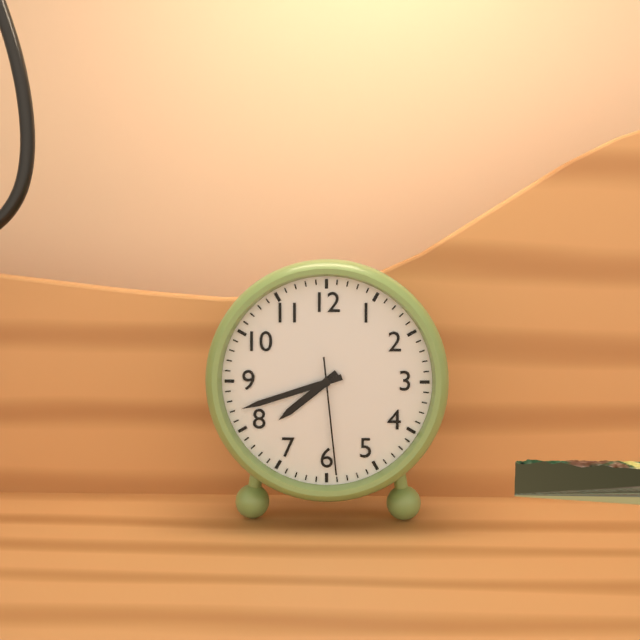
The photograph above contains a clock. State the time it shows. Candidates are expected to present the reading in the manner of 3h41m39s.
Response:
7h42m29s
